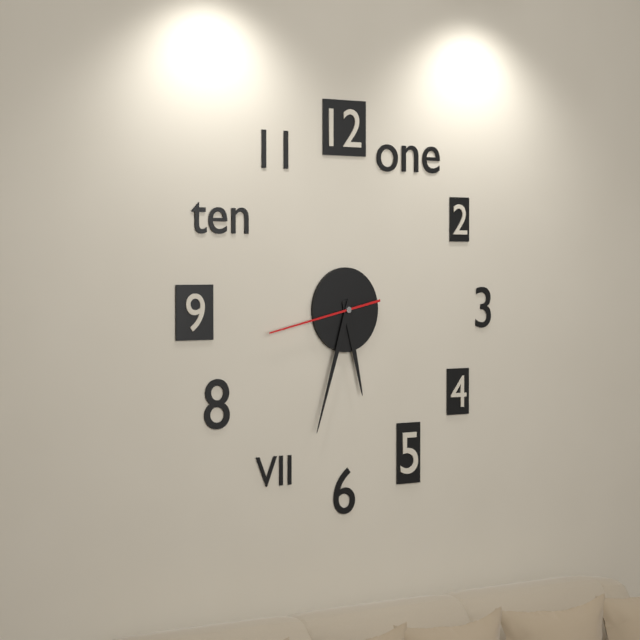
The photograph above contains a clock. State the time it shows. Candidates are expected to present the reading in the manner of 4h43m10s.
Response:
5h33m43s
